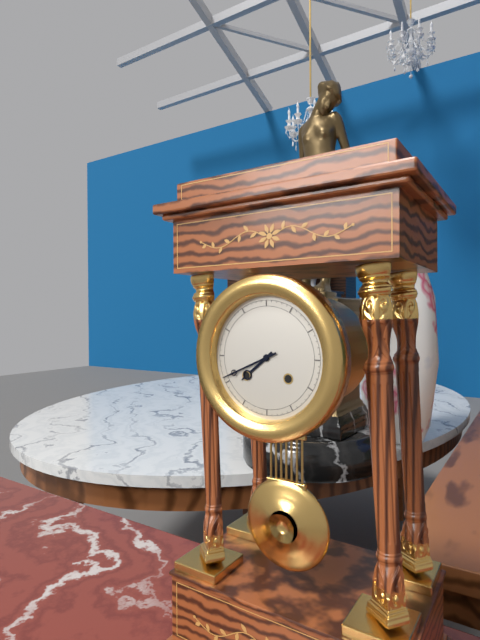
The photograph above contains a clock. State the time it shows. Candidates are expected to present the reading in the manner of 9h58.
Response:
7h41
